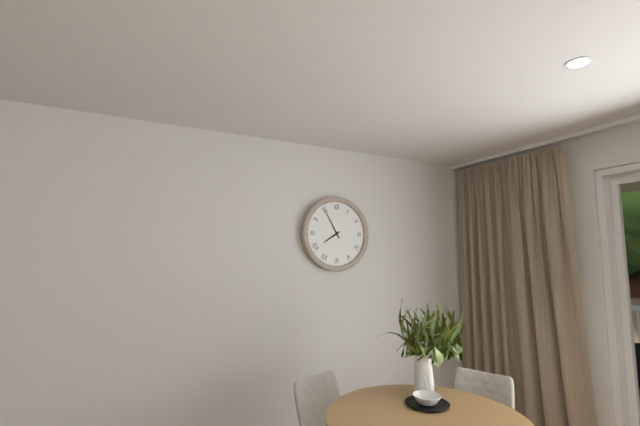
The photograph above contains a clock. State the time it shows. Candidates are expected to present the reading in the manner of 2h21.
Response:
7h55
